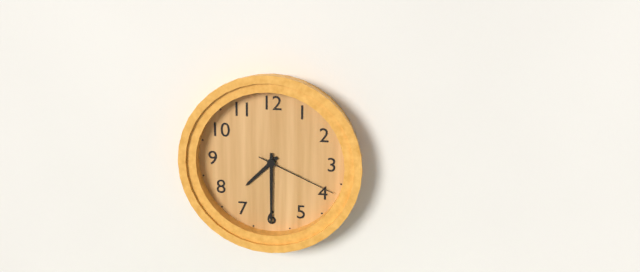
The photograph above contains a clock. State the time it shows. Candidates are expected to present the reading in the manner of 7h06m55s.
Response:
7h30m19s
